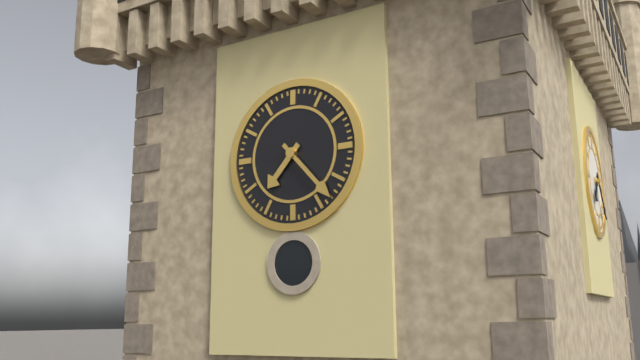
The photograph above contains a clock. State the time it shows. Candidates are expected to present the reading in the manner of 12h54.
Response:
7h23
